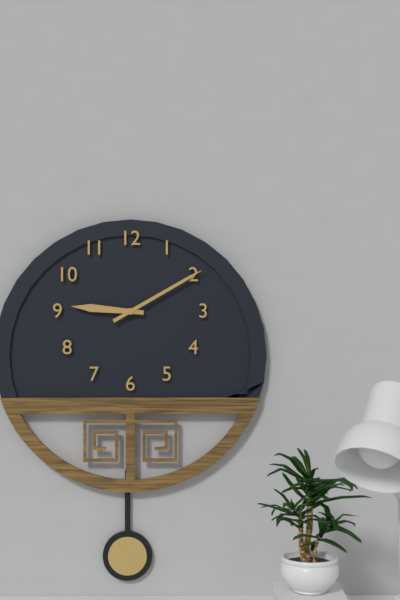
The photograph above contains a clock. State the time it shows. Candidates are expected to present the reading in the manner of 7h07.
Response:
9h10
